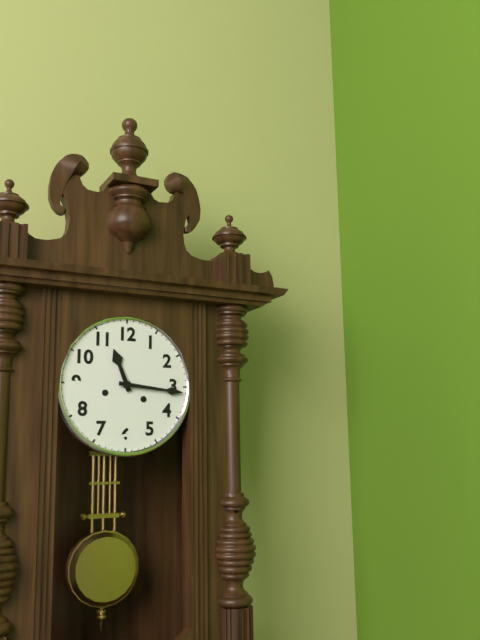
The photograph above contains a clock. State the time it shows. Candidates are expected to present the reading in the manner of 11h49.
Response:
11h16
